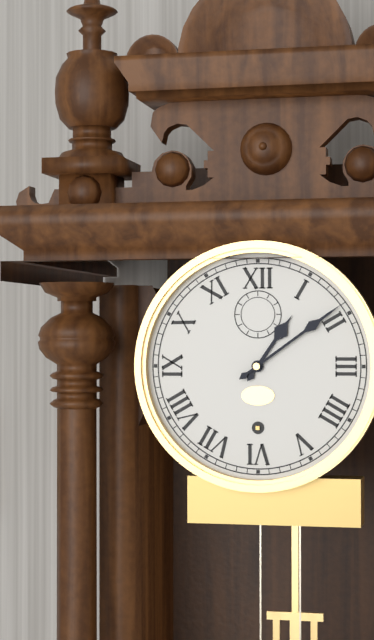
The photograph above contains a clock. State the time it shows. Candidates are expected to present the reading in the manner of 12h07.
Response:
1h09
